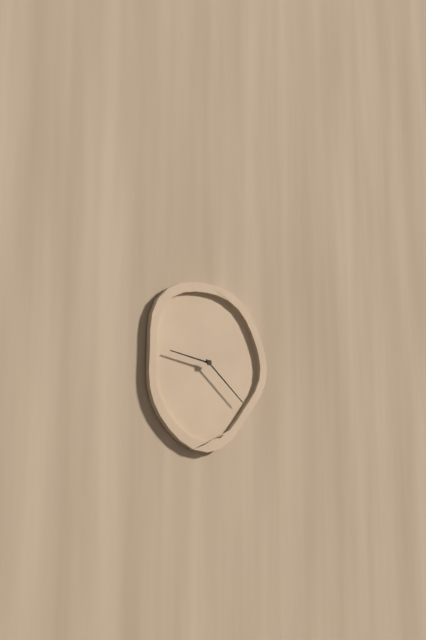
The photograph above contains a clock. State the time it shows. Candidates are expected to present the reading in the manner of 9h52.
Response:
9h22
